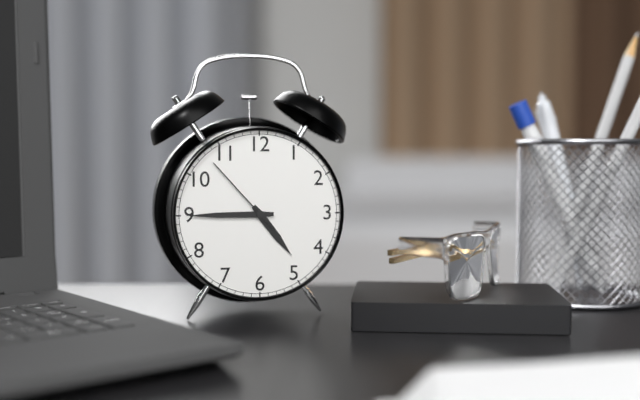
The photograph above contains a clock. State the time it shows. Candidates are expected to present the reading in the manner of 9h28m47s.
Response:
4h45m53s
